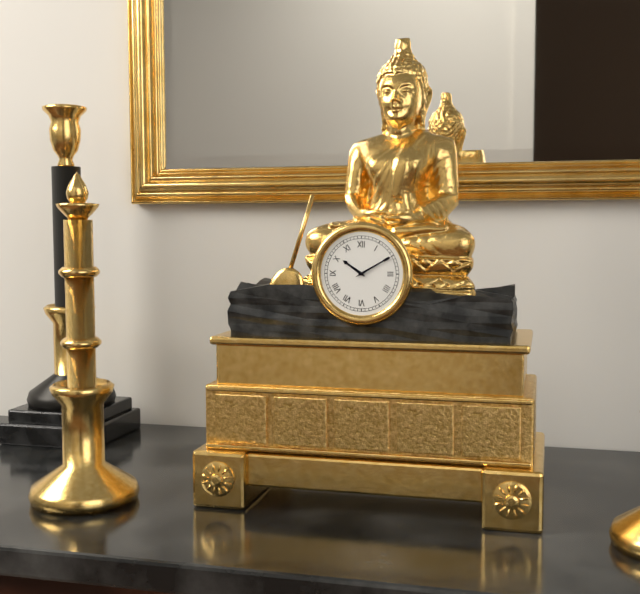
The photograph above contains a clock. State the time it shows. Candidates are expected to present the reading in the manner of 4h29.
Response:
10h10
